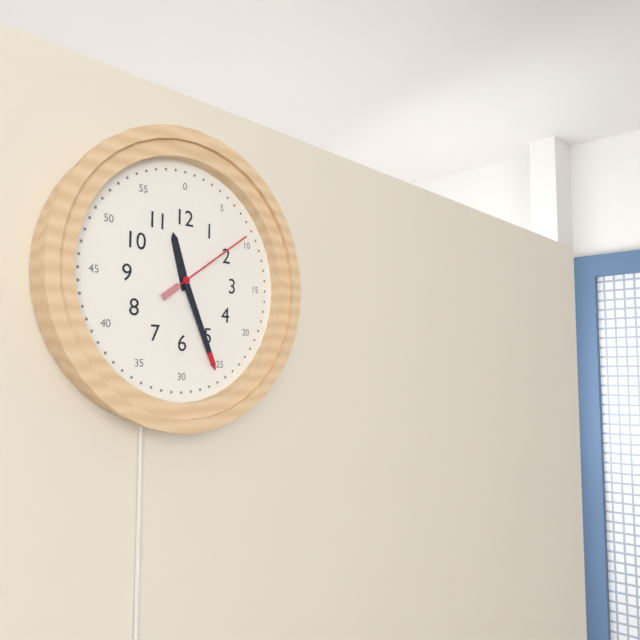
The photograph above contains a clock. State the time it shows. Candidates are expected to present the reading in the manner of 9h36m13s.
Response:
11h26m09s
